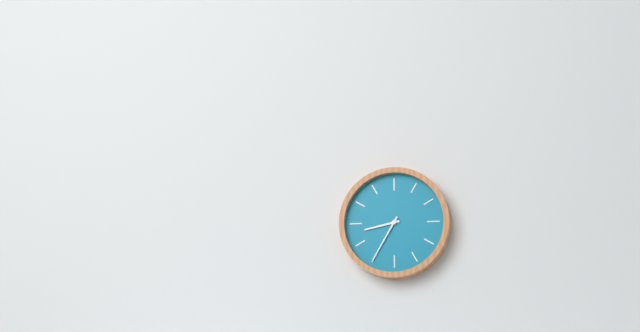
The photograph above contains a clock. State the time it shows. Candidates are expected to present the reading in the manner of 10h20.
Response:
8h35
